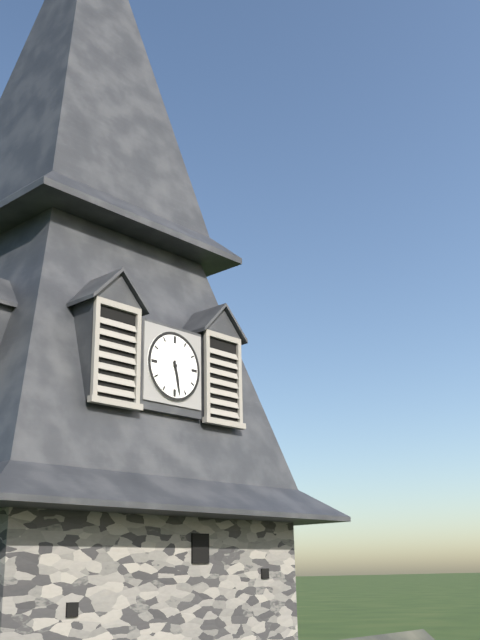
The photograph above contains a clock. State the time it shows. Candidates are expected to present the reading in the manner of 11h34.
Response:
5h28
